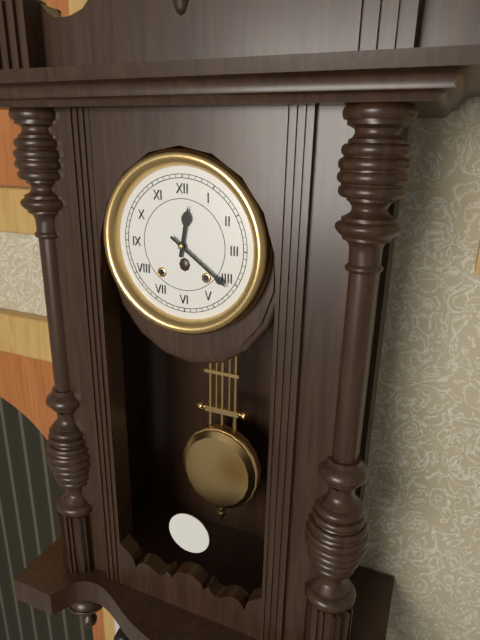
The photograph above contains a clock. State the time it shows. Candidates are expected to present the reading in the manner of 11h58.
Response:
12h21
